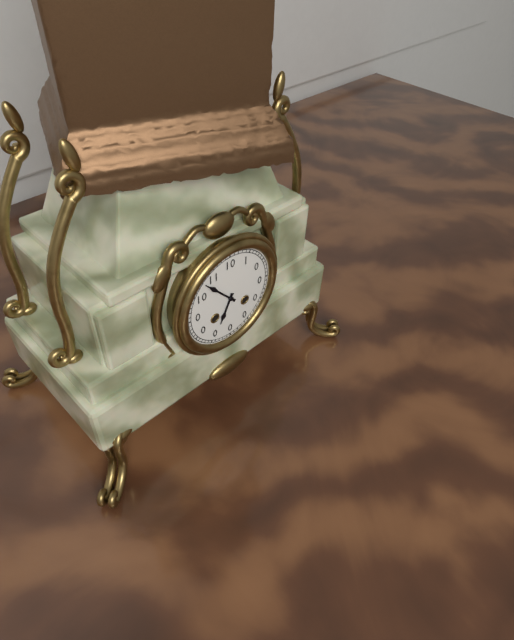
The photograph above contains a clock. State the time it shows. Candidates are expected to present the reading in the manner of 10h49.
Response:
6h53
